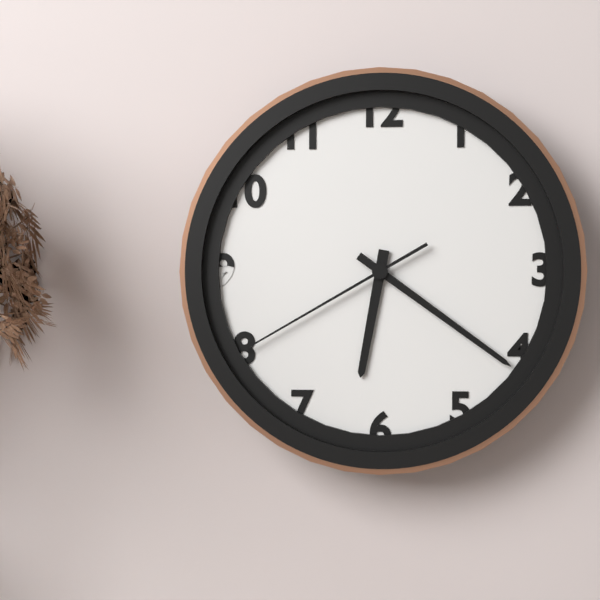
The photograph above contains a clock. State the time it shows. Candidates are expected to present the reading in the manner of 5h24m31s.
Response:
6h21m40s
